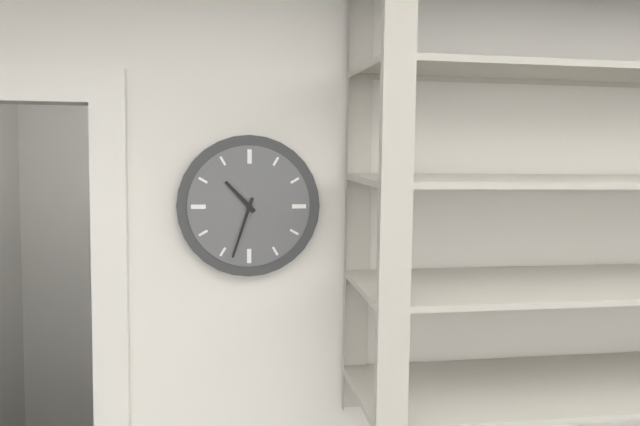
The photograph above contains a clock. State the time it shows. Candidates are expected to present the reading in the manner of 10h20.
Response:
10h33
